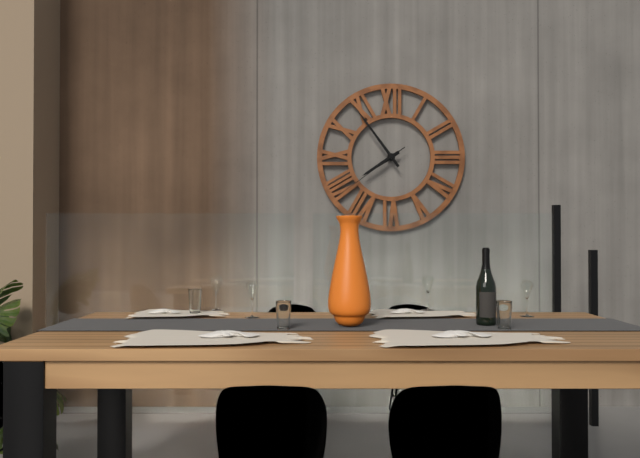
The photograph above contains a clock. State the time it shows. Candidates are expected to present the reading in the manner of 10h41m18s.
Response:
7h54m39s
